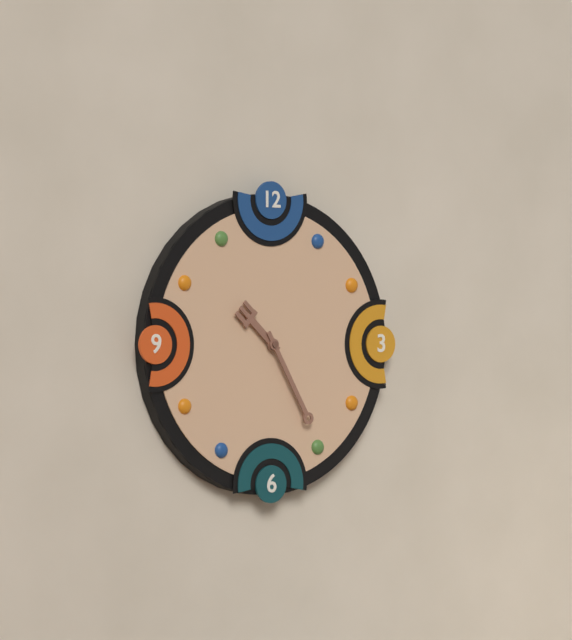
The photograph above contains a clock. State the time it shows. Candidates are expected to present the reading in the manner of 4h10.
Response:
10h25
